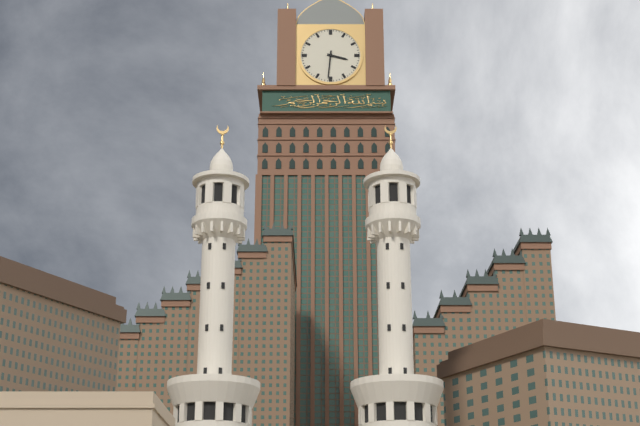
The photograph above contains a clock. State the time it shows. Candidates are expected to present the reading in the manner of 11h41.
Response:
3h31
